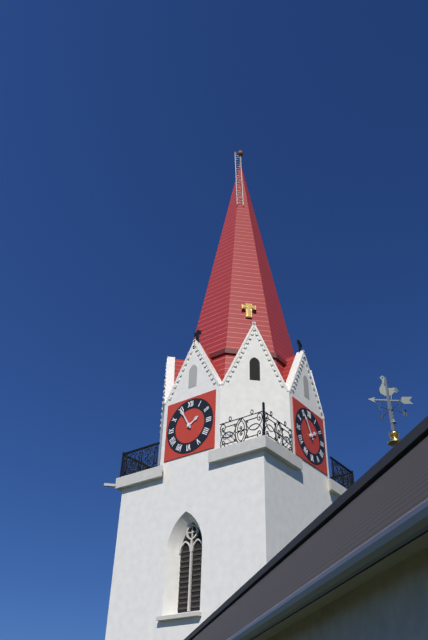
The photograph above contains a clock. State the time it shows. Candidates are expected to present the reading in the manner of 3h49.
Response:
1h55
